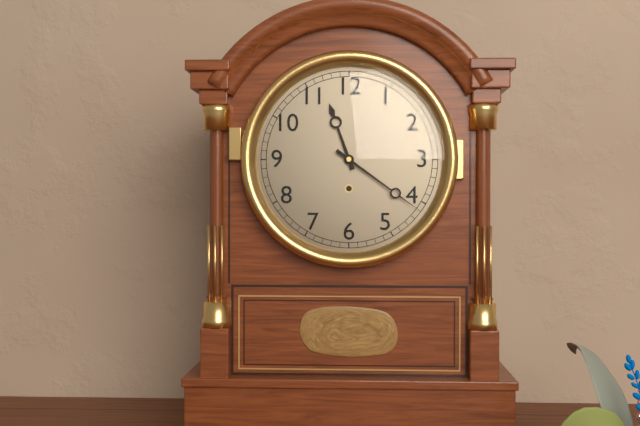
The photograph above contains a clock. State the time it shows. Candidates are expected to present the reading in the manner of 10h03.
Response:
11h21
